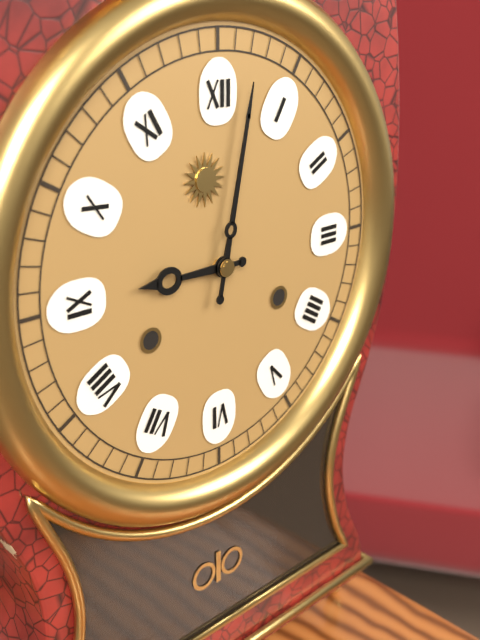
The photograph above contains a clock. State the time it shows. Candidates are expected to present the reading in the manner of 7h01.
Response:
9h02
